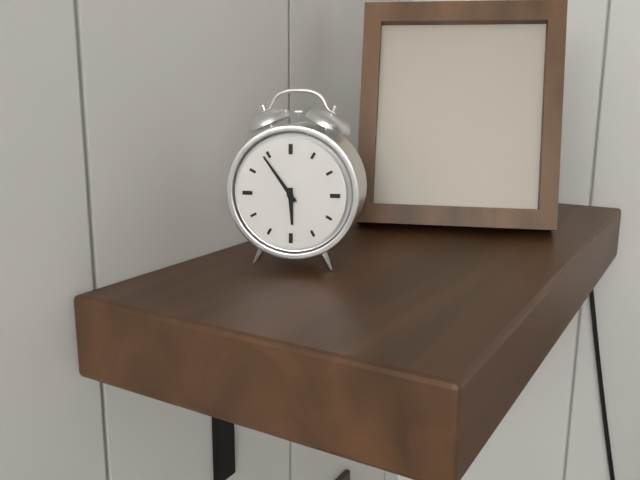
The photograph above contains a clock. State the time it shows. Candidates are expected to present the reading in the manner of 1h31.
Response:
5h54
